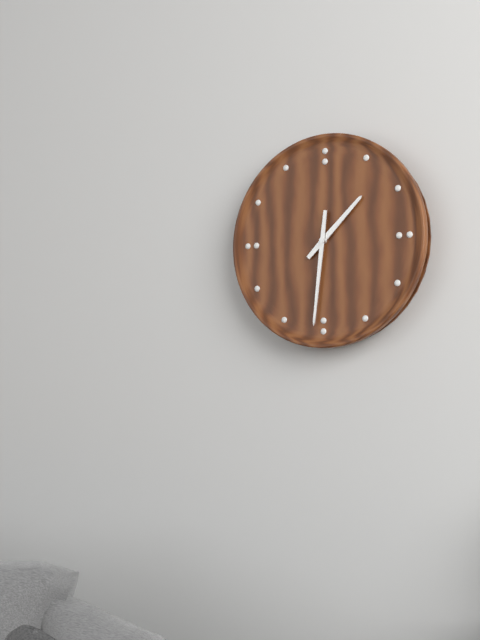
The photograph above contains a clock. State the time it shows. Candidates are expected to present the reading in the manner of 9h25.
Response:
1h31
